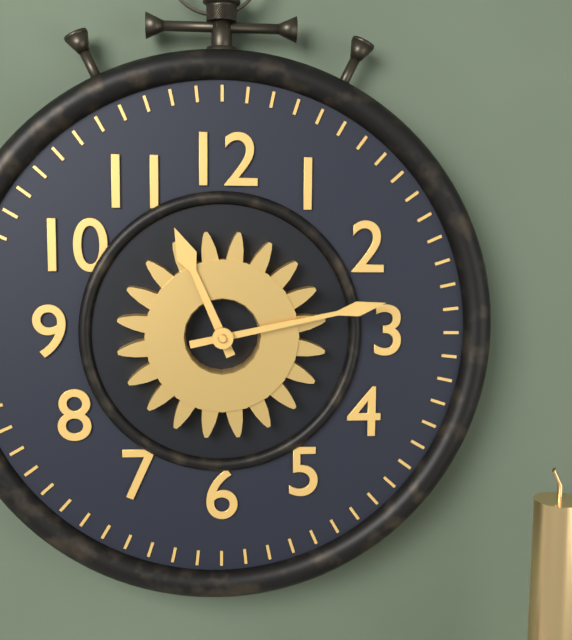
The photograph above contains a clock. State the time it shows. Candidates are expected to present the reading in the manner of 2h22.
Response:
11h13
